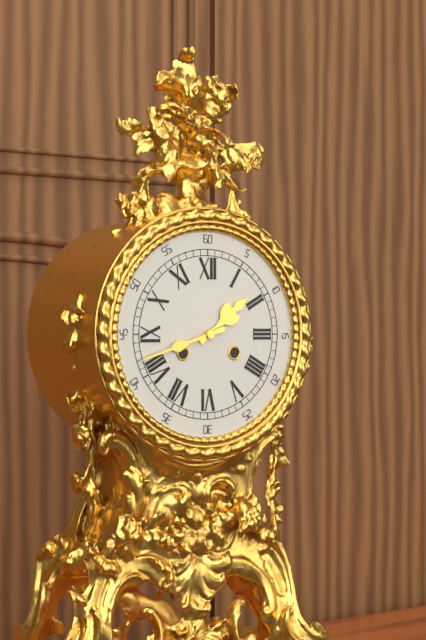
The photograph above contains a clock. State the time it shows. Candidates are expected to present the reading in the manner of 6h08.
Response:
1h42
